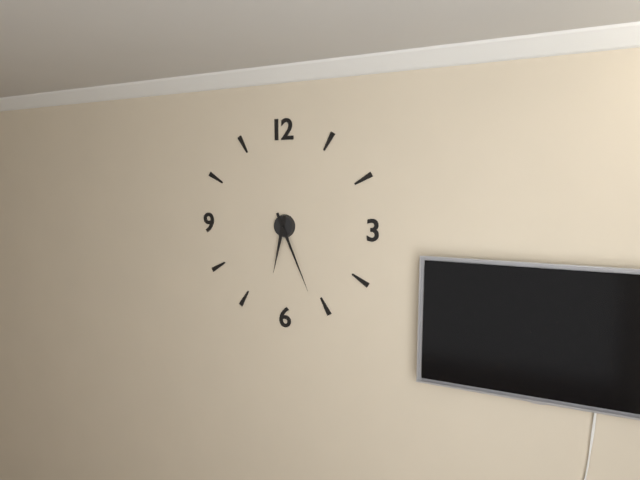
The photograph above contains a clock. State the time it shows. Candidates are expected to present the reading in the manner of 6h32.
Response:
6h26
